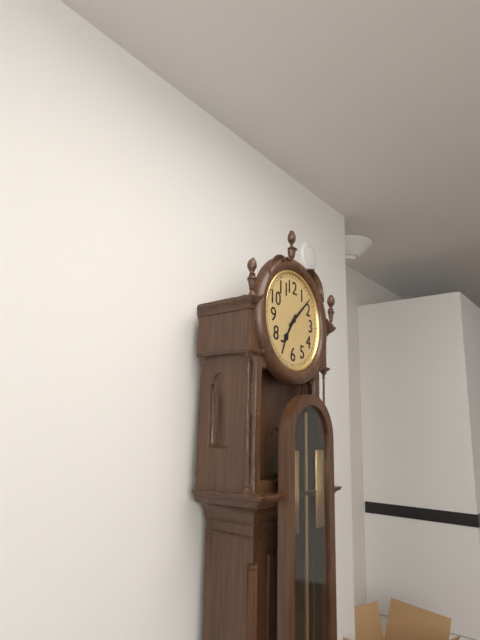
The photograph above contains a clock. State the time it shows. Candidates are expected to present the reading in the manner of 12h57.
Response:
7h08
